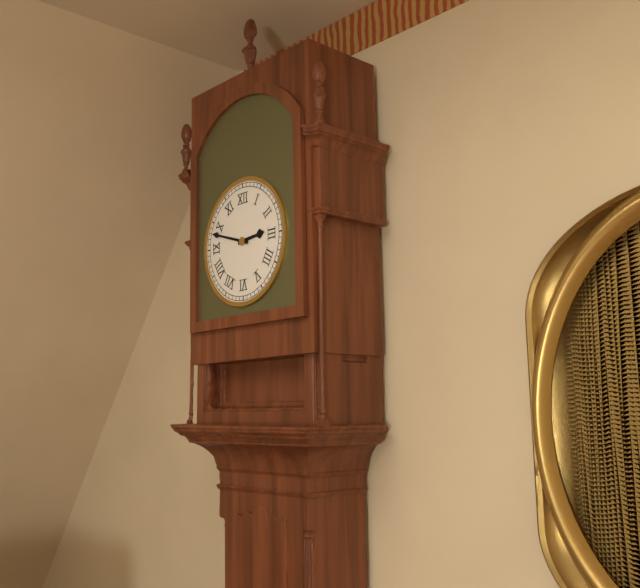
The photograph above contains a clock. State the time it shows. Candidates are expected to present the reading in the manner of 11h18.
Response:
2h48
